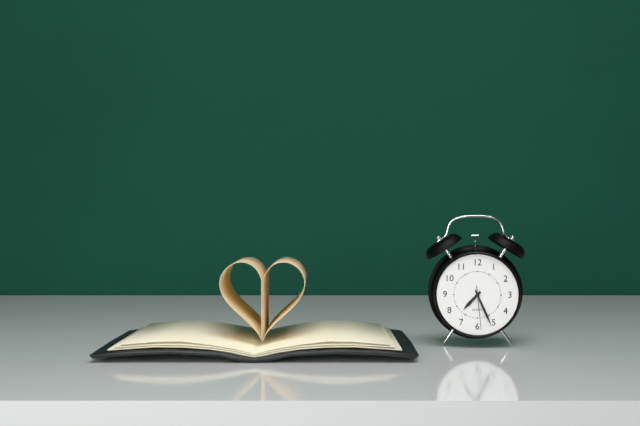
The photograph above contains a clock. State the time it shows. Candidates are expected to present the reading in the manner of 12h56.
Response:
7h26
